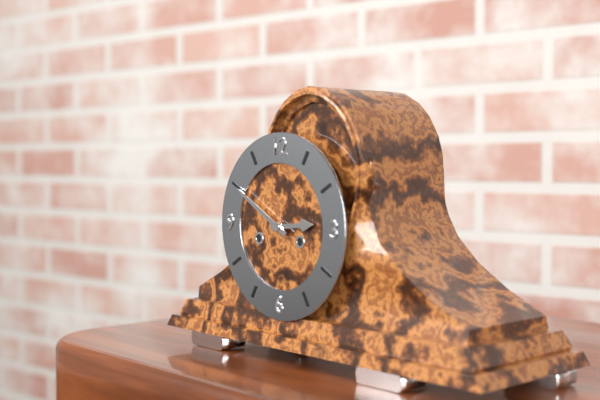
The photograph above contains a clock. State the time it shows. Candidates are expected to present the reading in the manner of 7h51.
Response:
2h50
